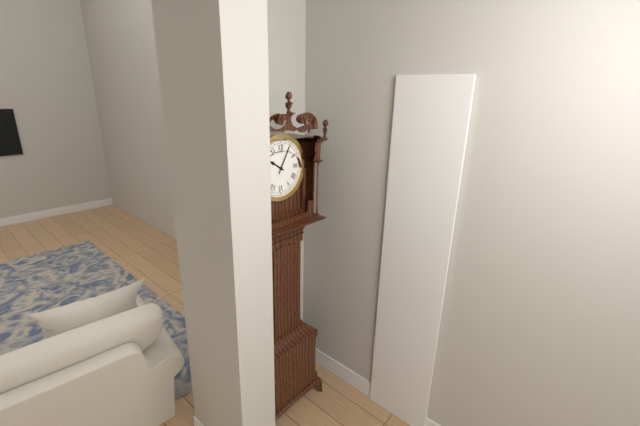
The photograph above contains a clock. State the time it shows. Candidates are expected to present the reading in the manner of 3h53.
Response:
10h05
